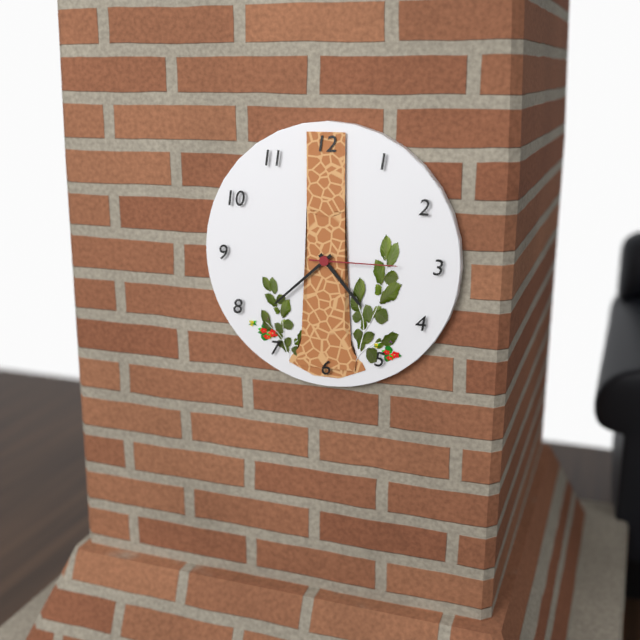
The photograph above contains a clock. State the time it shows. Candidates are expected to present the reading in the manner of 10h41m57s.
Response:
4h38m15s
